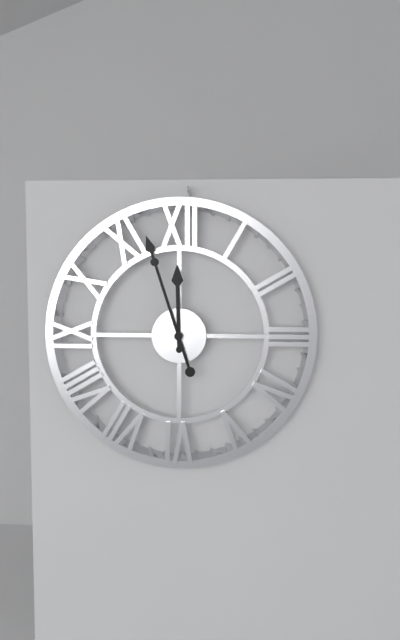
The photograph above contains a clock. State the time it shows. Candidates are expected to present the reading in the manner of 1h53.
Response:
11h57
